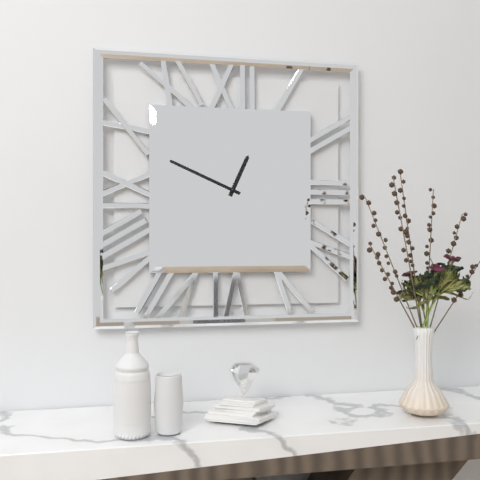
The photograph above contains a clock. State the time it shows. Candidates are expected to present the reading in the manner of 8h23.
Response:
12h49
